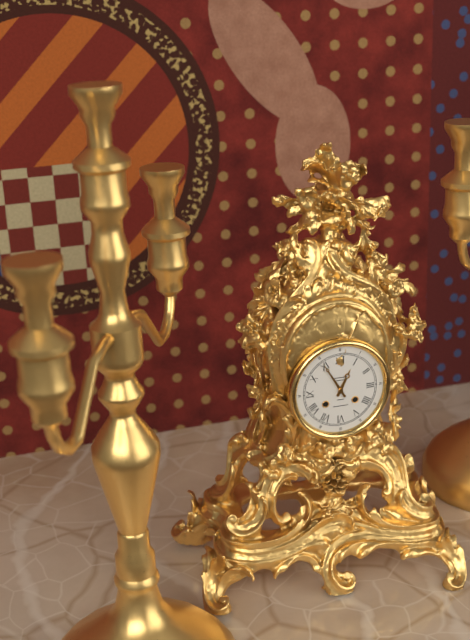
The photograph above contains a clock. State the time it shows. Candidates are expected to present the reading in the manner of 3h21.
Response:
12h55
